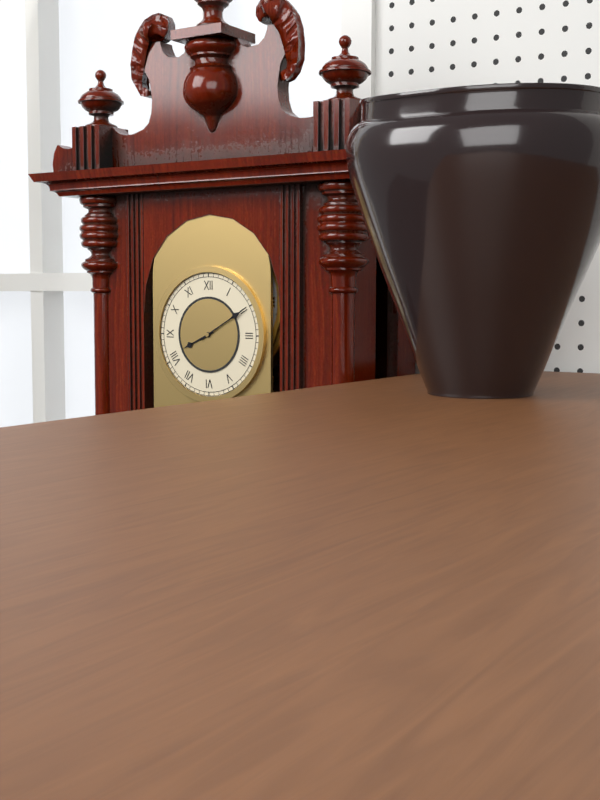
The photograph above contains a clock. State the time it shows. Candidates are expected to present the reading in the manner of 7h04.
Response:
8h10
